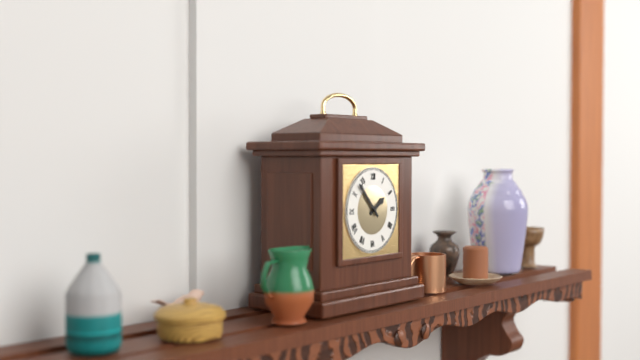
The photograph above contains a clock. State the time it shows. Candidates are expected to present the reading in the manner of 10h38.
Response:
1h53
